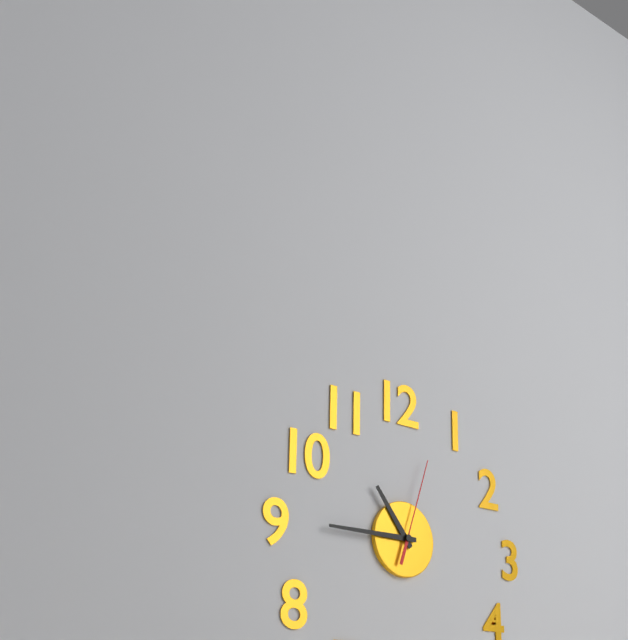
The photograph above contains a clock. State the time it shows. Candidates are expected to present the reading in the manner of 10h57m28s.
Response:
10h45m03s
